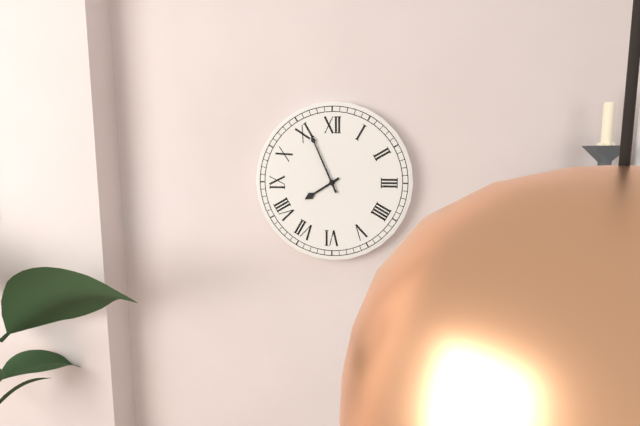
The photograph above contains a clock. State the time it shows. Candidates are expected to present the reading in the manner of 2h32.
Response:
7h56
